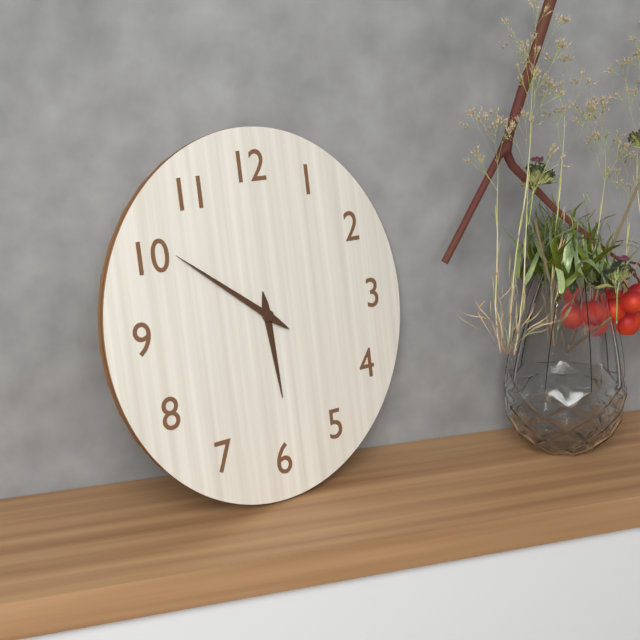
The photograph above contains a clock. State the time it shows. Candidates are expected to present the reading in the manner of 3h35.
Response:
5h51
